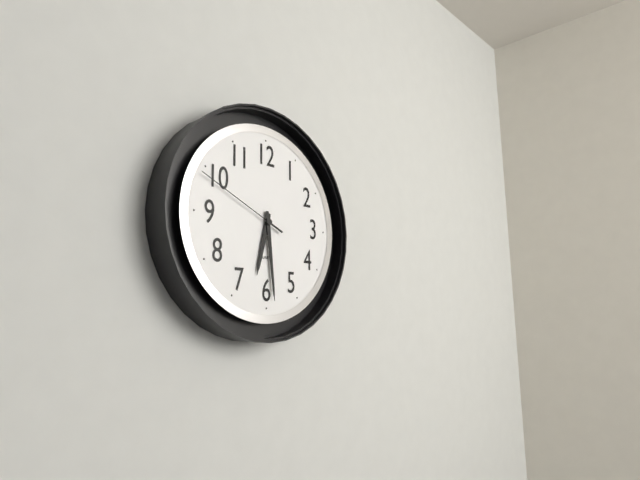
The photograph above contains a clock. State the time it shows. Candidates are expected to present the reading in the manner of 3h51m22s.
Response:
6h29m49s
